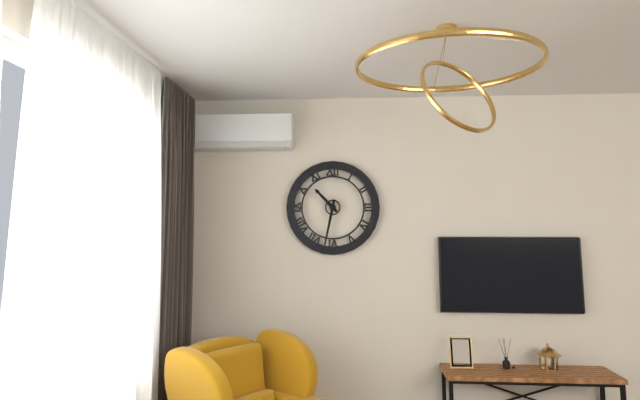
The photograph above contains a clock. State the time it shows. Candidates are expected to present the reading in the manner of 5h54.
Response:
10h32
